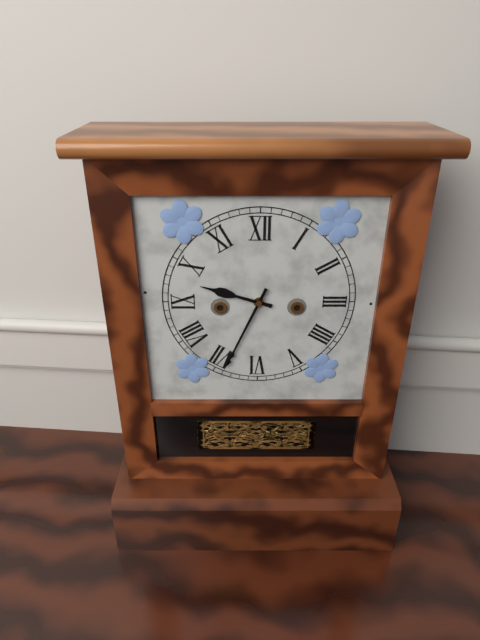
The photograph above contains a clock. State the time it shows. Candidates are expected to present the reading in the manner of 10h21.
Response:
9h34
